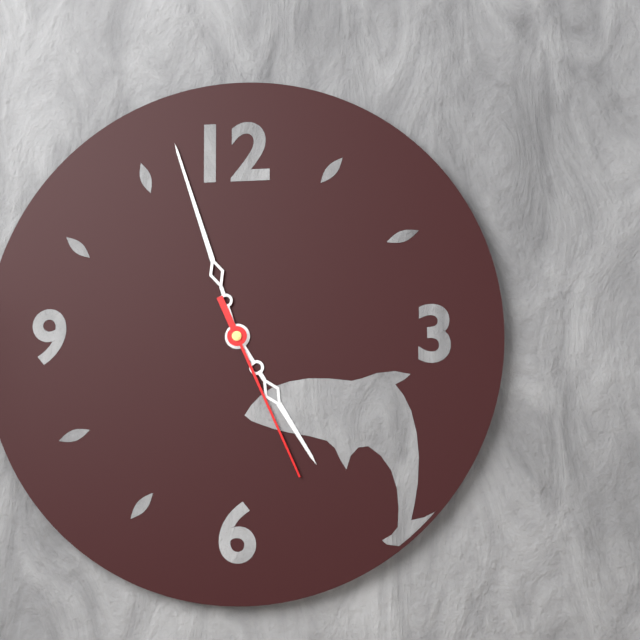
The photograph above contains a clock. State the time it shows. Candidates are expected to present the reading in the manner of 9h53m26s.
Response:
4h57m26s
